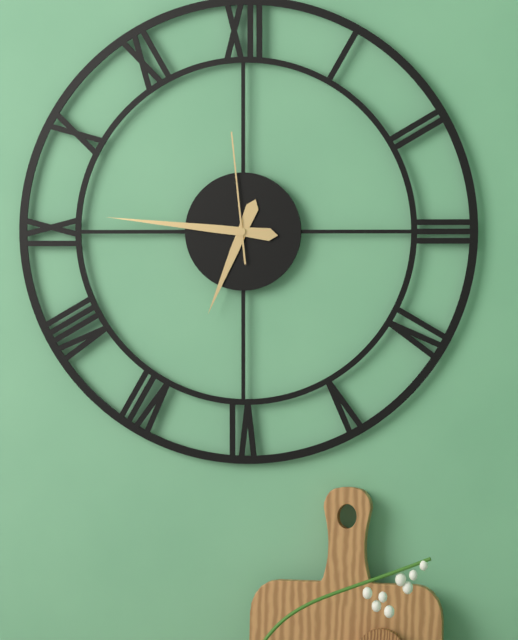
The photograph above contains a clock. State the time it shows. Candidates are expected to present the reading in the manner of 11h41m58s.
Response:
6h46m59s
